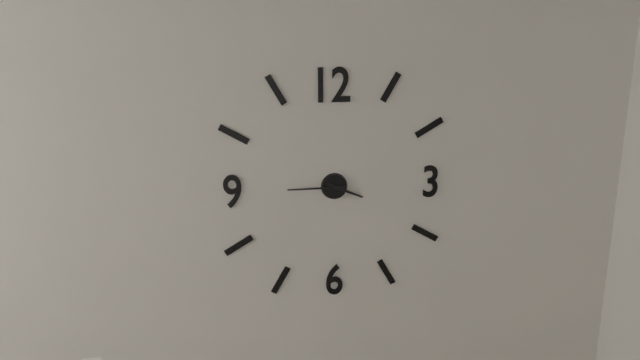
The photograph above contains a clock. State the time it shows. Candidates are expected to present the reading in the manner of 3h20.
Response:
3h45
